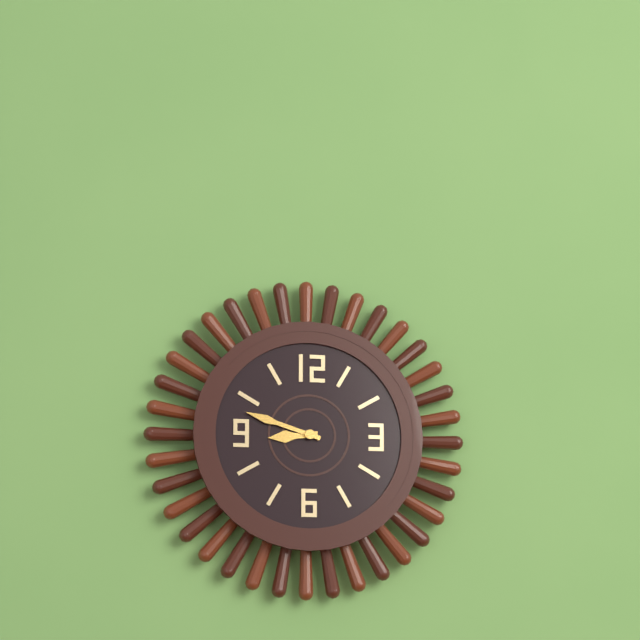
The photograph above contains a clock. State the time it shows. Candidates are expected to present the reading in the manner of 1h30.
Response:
8h48
